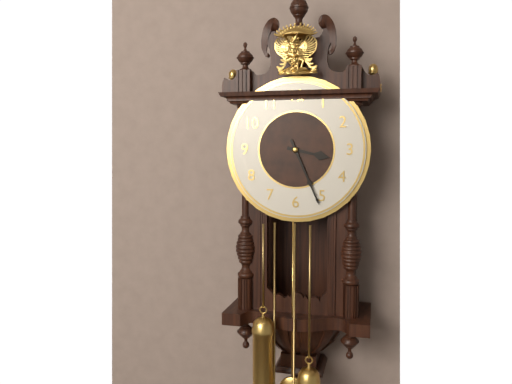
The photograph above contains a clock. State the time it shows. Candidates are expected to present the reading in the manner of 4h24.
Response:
3h26
